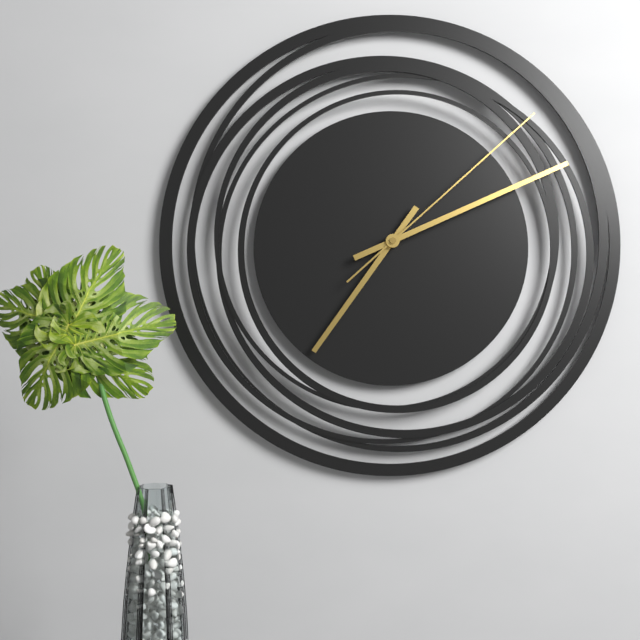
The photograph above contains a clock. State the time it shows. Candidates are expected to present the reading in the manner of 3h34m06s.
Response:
7h11m08s
